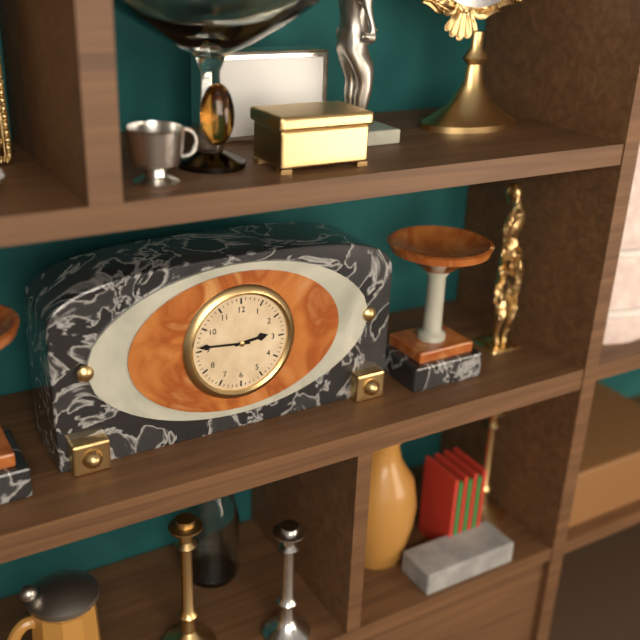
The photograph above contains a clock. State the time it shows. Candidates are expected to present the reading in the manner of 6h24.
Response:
2h46
